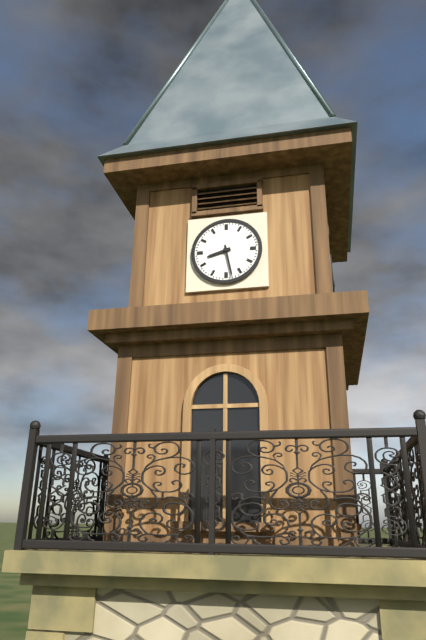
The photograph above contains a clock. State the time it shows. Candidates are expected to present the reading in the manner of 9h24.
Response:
8h28
